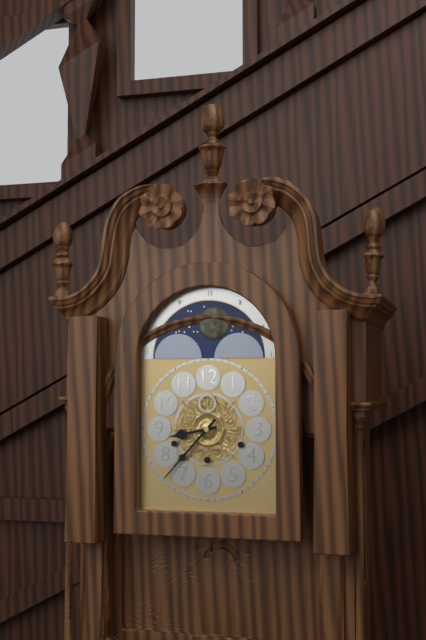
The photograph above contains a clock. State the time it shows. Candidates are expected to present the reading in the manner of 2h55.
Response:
8h37
